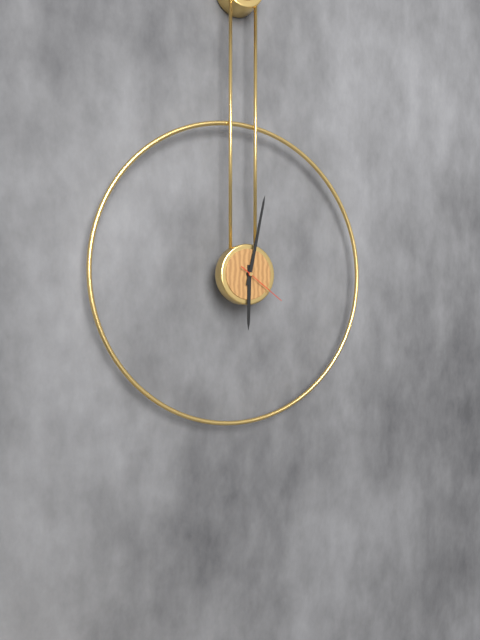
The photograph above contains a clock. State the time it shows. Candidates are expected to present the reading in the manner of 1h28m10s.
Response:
6h02m21s
